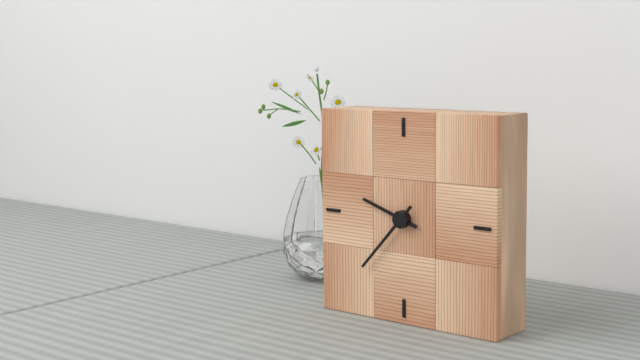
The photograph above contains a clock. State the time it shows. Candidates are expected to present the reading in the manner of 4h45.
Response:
9h37
